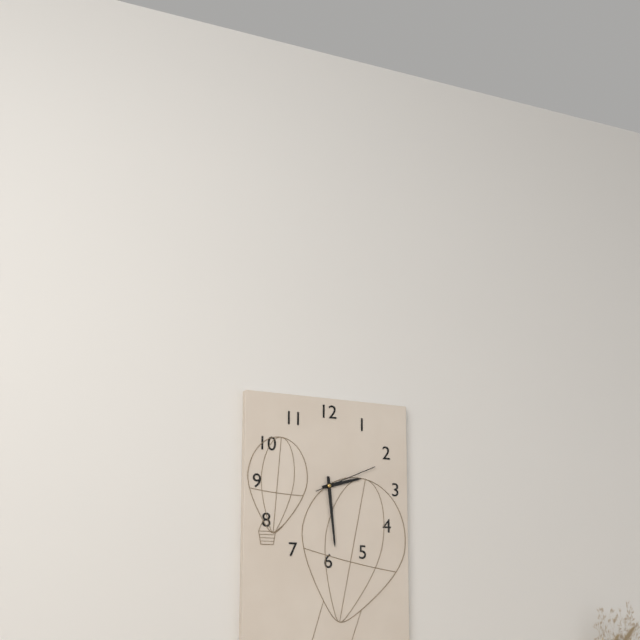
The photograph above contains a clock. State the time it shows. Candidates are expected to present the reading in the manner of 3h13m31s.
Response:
2h29m11s
